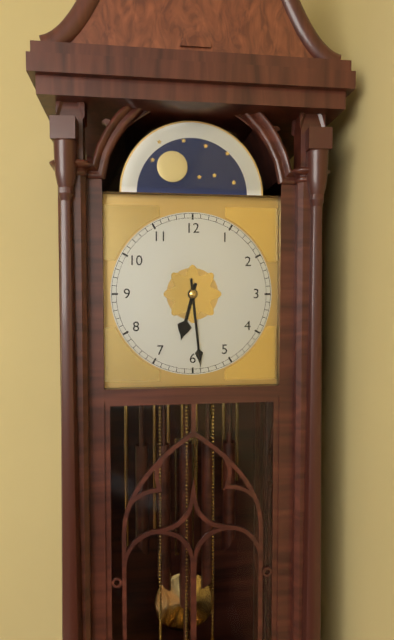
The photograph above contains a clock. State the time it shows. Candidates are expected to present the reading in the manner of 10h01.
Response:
6h29
